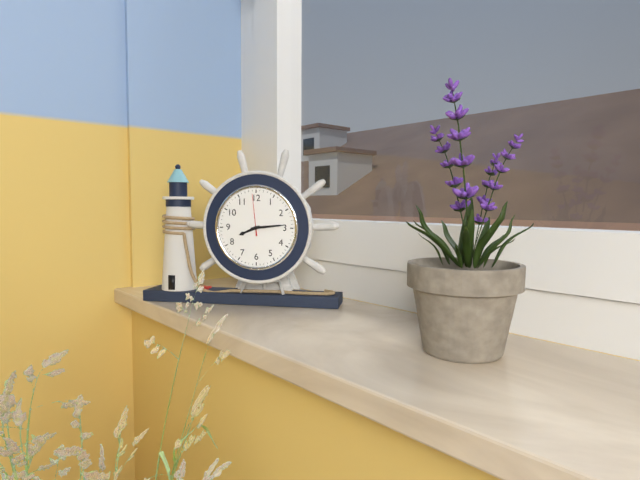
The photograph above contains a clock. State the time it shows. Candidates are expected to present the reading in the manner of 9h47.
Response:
8h14
